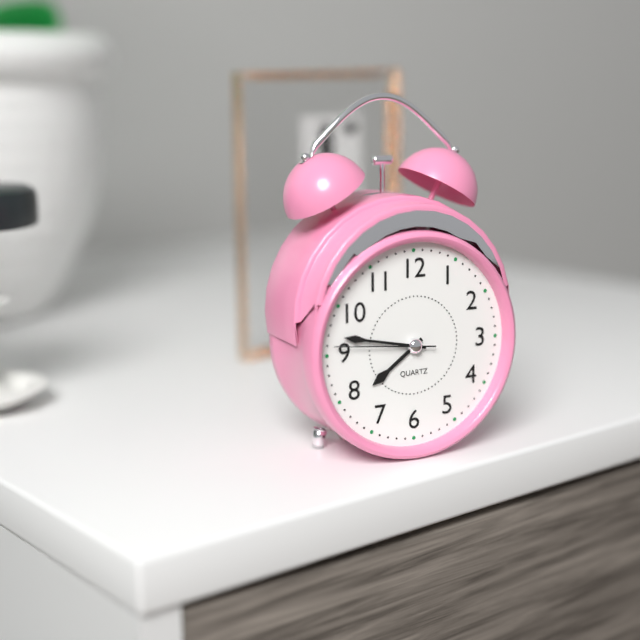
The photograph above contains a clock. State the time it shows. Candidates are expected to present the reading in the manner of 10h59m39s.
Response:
7h47m46s
